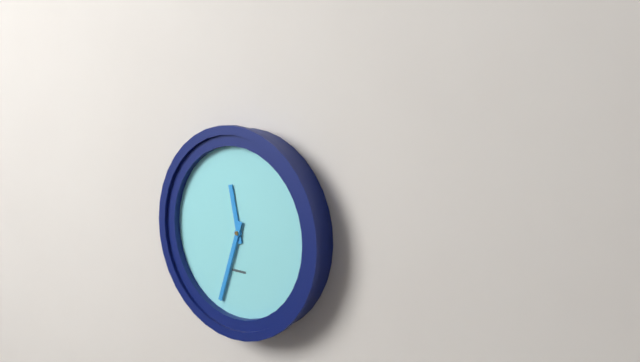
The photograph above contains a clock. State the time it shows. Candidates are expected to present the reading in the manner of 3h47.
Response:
11h33
